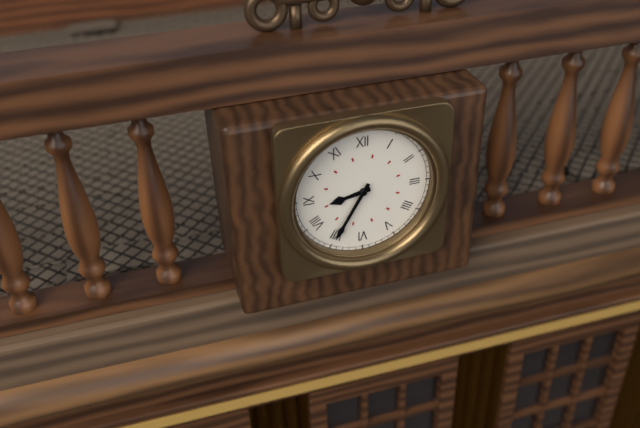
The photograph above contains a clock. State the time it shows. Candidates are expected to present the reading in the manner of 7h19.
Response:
8h35
